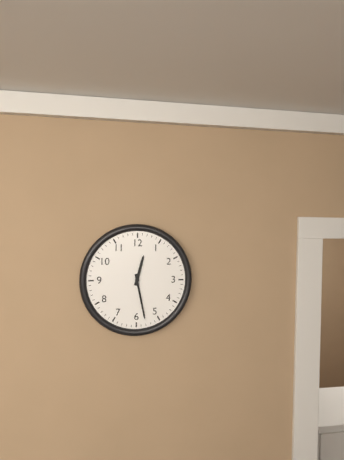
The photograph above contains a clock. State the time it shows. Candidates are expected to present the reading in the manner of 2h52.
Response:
12h28
